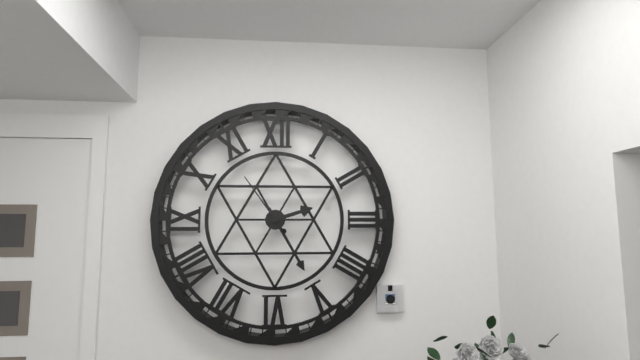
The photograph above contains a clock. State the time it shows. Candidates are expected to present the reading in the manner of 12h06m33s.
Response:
2h25m54s
